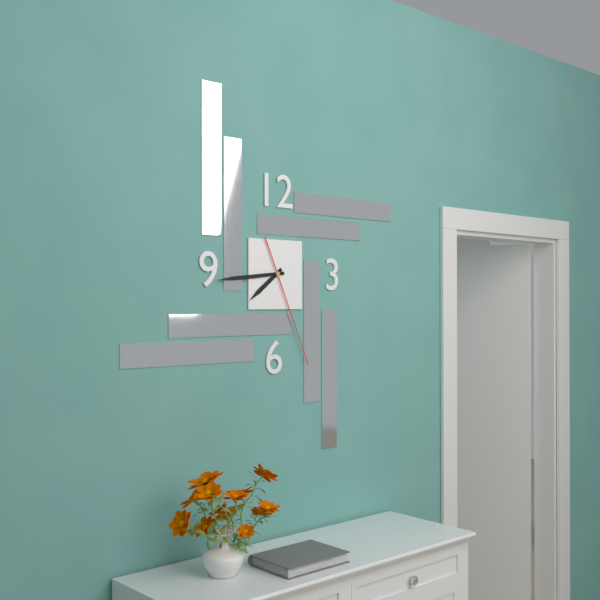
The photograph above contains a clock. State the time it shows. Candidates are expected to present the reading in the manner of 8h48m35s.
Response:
7h44m26s
